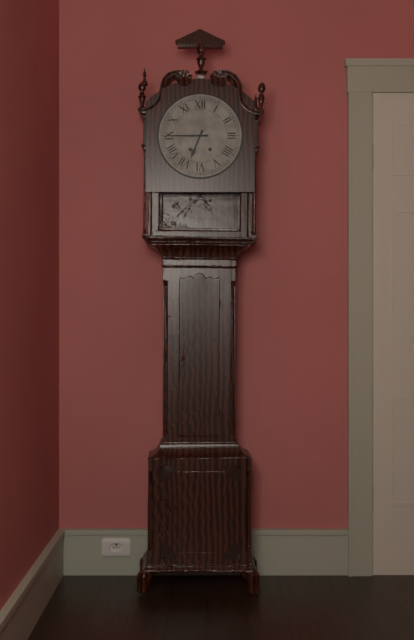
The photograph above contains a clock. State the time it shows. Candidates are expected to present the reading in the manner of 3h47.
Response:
6h45
